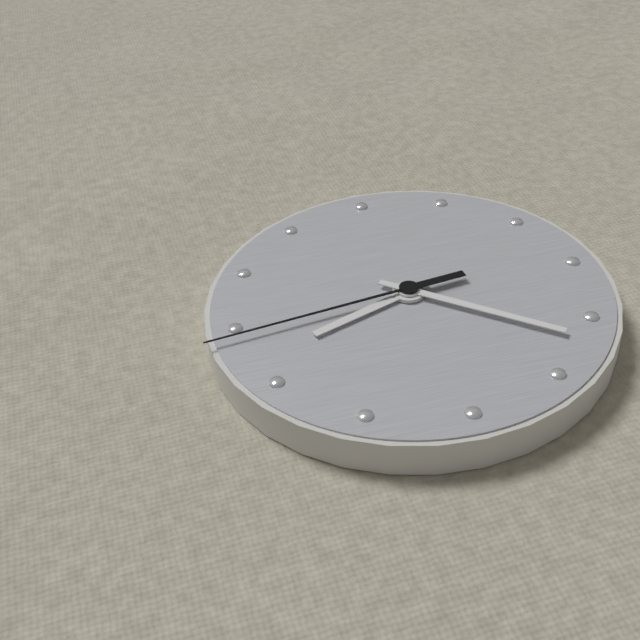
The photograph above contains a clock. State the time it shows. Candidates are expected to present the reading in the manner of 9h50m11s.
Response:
8h22m44s
